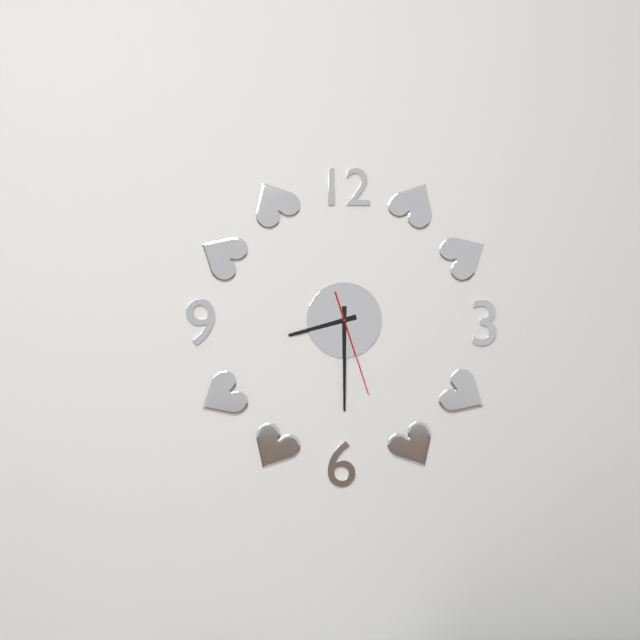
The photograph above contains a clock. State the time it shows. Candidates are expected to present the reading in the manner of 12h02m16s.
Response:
8h30m27s
